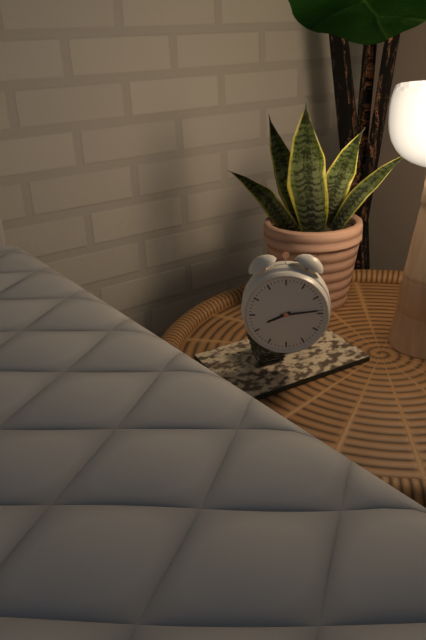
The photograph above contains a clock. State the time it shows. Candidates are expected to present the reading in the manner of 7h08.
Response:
8h14
